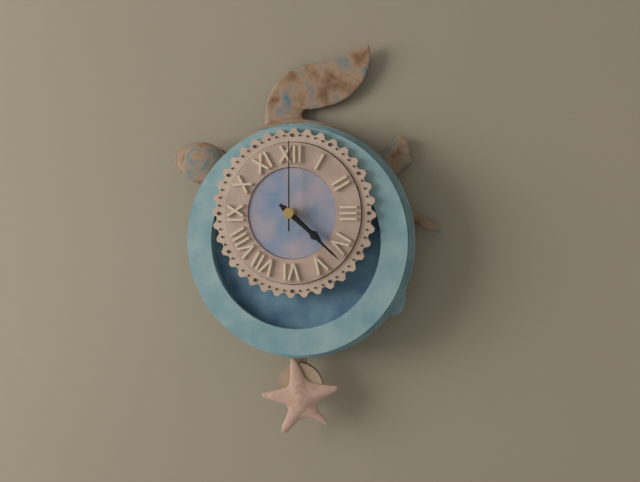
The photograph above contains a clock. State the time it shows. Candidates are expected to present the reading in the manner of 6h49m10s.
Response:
4h22m00s
